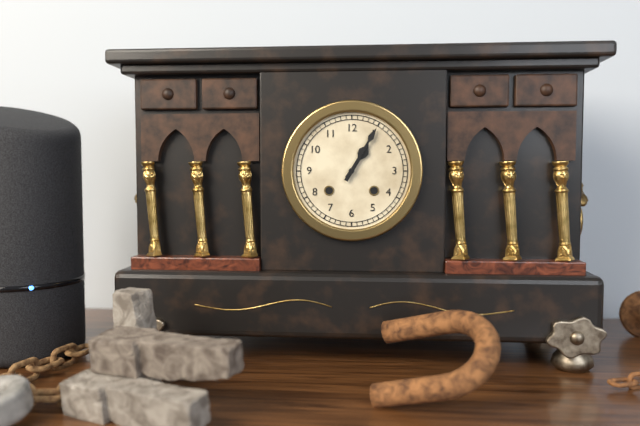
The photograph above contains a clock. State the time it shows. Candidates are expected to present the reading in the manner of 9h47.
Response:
1h05
